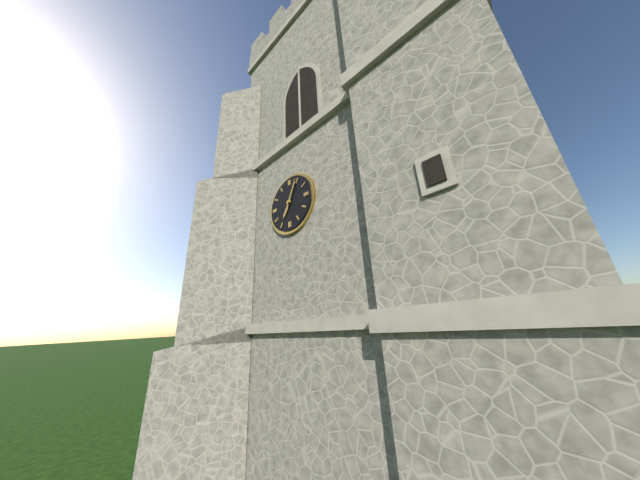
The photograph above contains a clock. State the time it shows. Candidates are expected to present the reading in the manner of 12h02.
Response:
7h04
